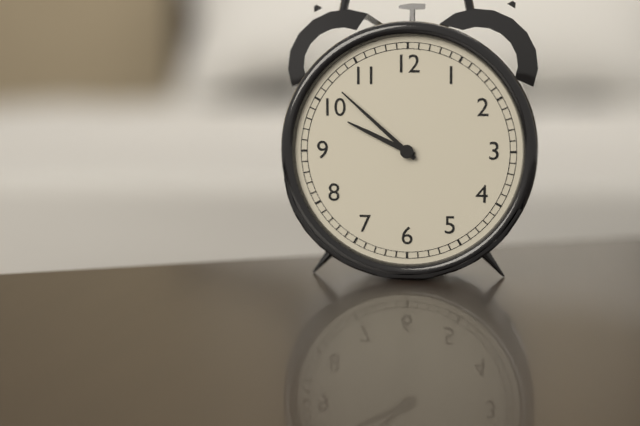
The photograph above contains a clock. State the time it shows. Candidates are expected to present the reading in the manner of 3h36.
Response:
9h52
